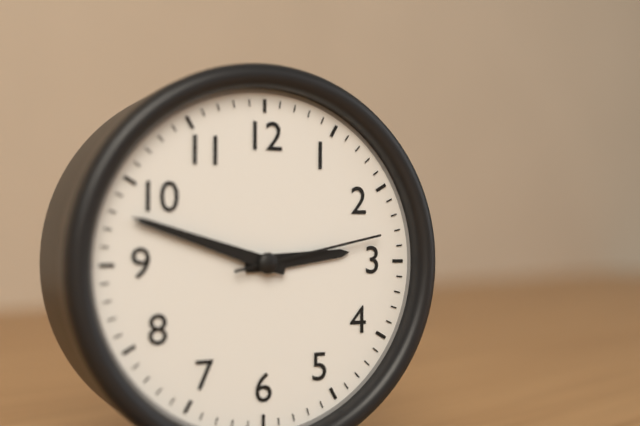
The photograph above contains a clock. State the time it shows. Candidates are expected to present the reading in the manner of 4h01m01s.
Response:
2h48m13s
